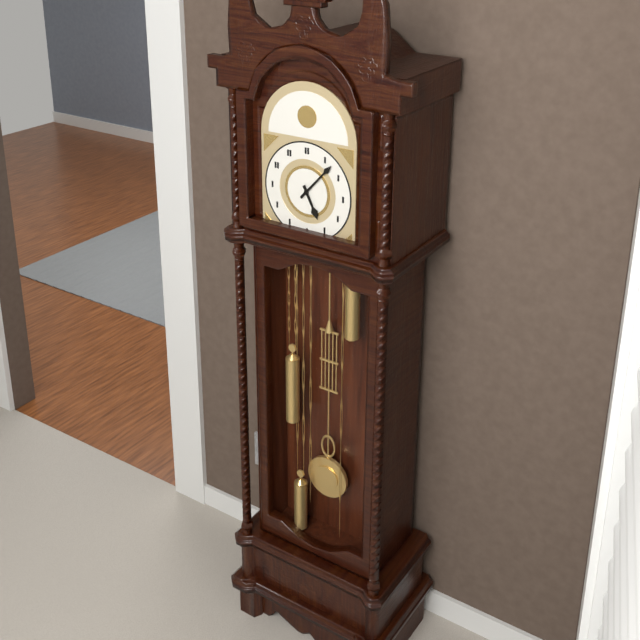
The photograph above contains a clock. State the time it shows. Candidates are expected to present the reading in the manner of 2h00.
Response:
5h07
